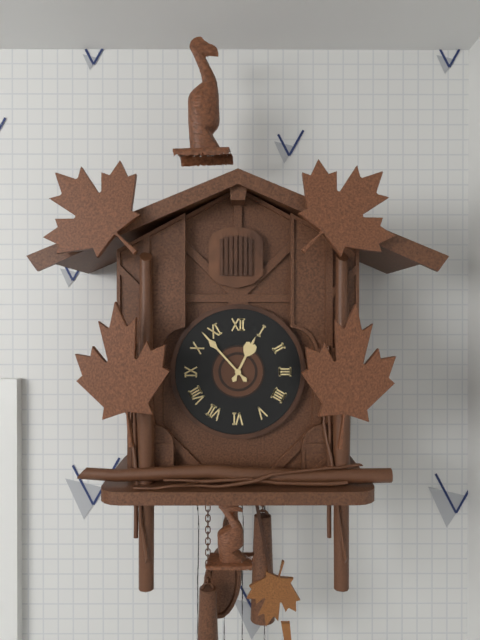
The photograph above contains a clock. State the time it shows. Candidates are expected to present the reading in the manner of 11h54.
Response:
12h53
